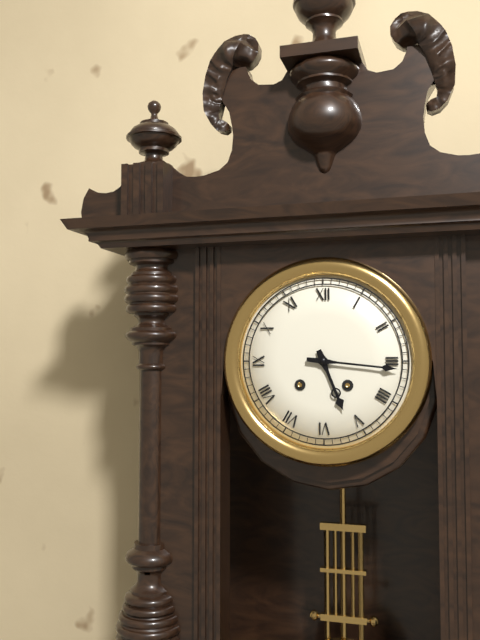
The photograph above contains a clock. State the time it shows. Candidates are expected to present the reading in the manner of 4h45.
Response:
5h16
